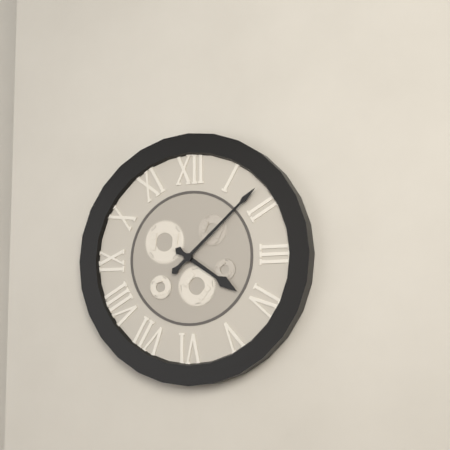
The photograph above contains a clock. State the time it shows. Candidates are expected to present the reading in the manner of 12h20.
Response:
4h08
